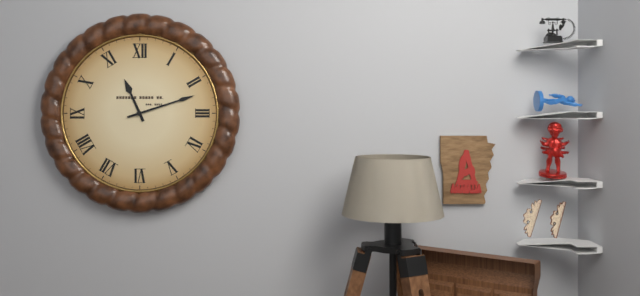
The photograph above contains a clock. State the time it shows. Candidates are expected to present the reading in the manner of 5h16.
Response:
11h12
